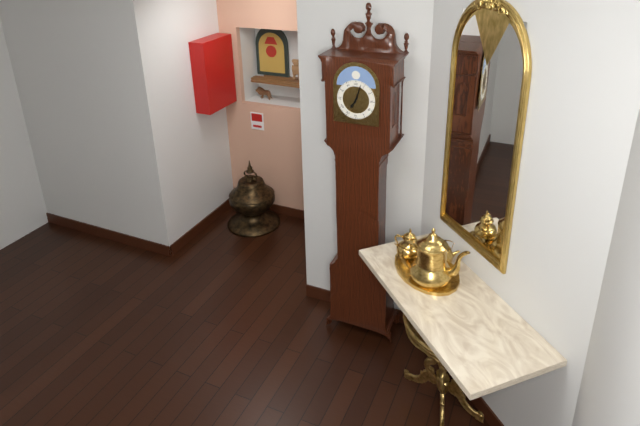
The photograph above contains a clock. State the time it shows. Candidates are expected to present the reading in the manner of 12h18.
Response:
7h03
